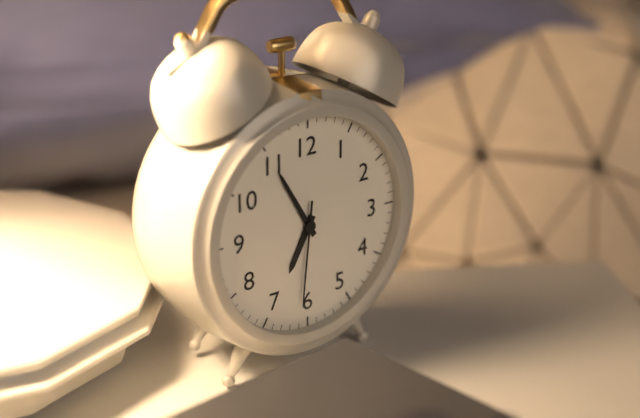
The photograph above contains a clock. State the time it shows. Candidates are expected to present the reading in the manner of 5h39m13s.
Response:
6h55m31s
